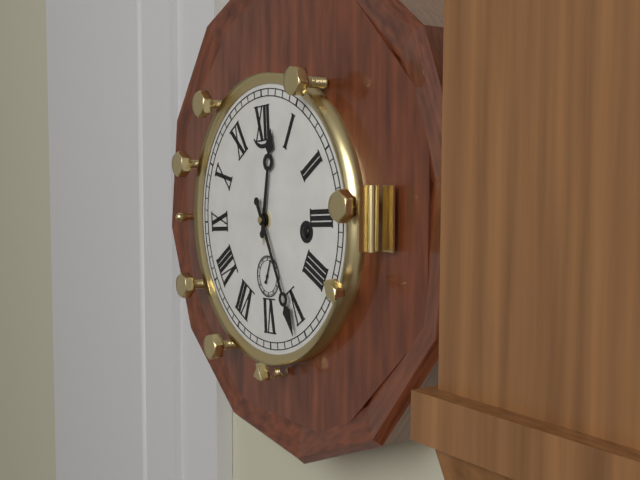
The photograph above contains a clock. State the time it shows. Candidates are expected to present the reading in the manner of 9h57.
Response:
12h26
